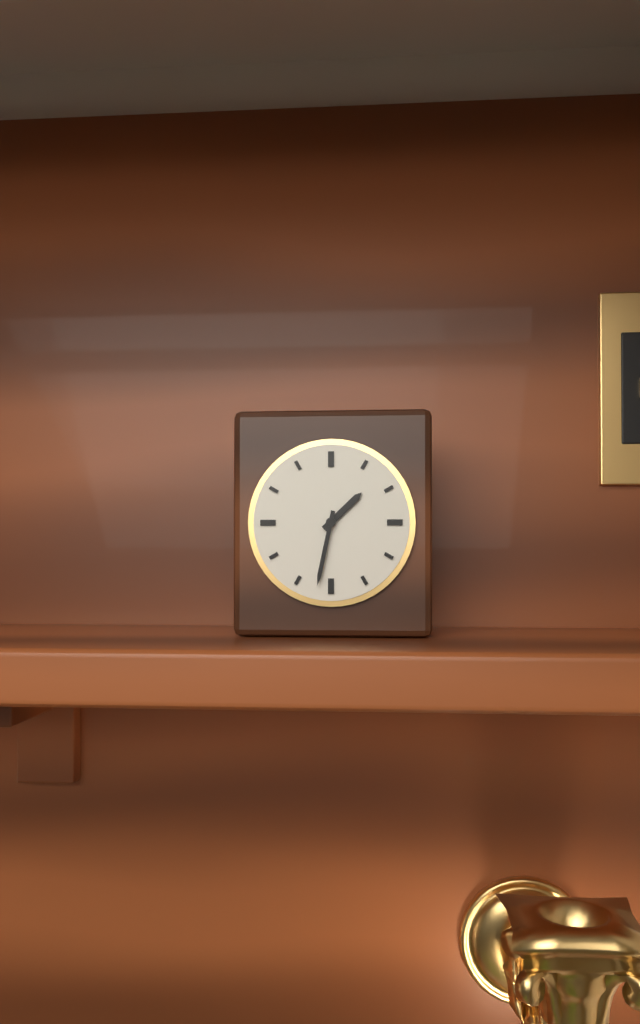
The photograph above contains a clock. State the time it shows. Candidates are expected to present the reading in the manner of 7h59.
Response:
1h32
